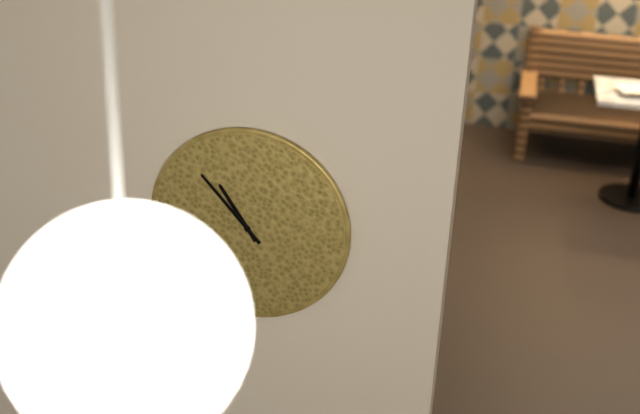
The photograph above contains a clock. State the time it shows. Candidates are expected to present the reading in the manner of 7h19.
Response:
10h53
